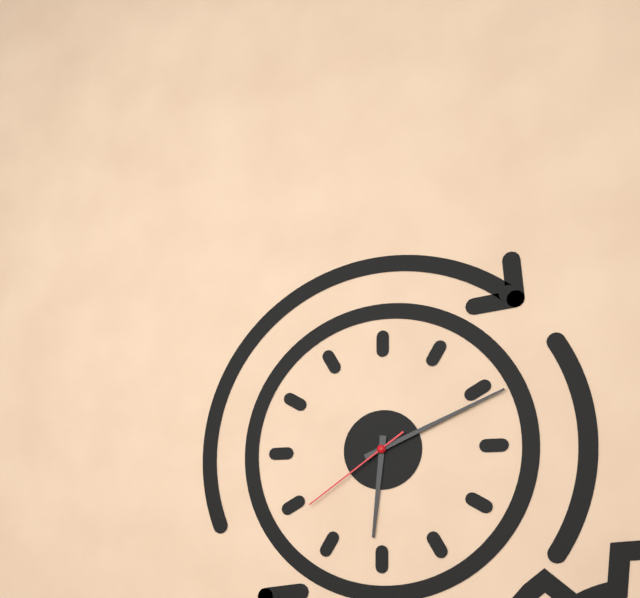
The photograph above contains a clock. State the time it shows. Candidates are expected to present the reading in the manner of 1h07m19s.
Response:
6h11m39s
